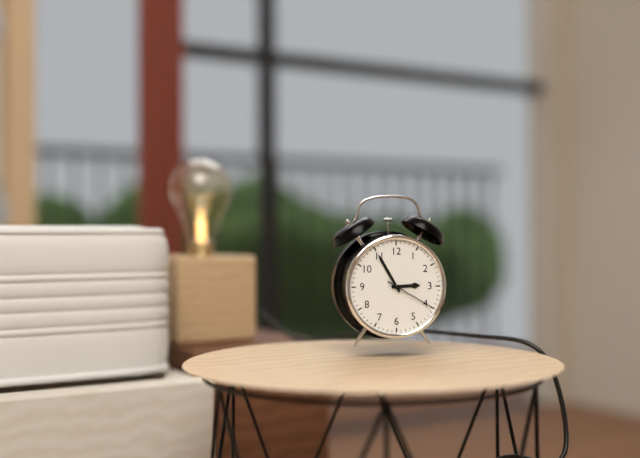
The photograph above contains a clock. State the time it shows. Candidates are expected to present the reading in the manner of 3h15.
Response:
2h55
